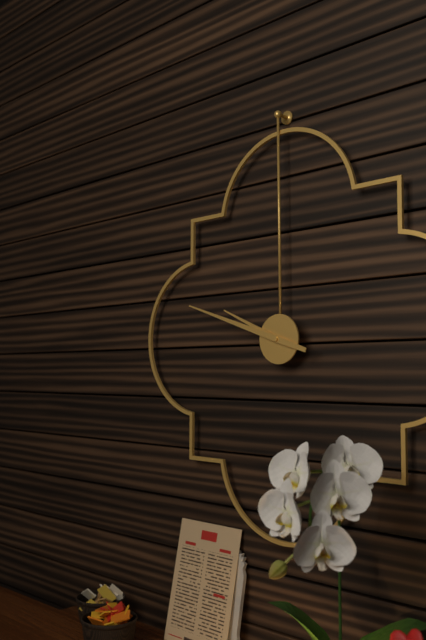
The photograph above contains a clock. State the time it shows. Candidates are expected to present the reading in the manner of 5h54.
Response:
9h48
